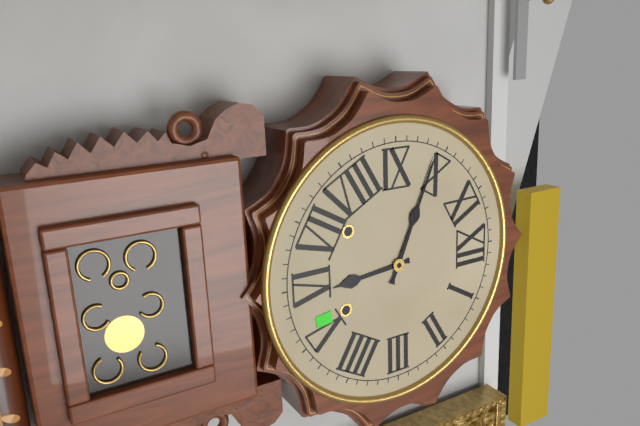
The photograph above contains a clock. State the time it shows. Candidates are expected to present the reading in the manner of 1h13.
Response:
5h49
